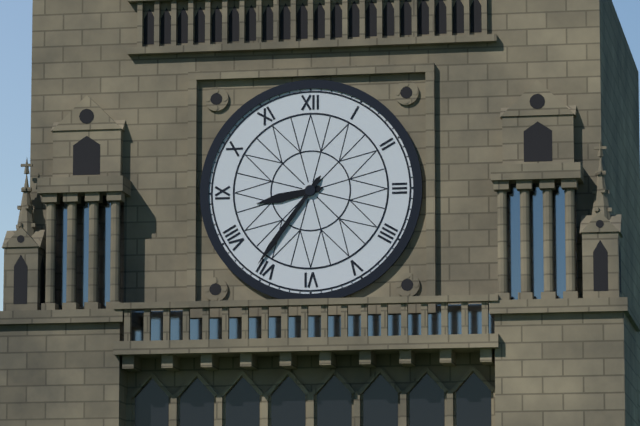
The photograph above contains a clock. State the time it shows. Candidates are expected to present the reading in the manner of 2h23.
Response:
8h36
